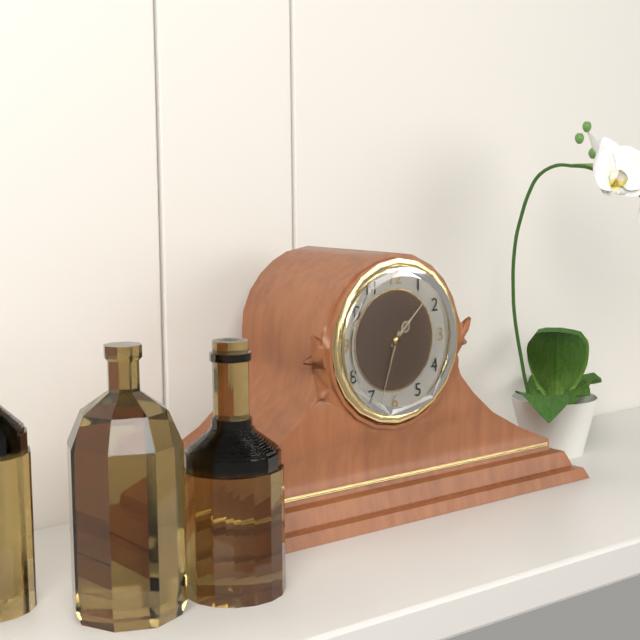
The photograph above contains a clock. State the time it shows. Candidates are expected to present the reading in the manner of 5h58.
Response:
1h33
